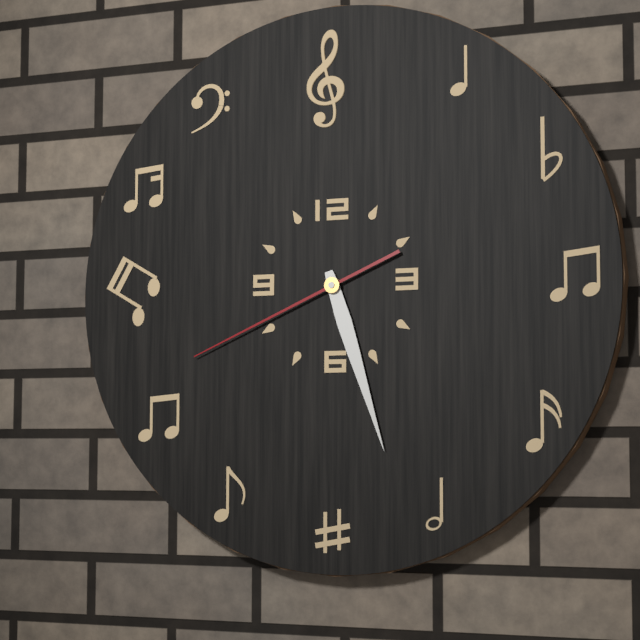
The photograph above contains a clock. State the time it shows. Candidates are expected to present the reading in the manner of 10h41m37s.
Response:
5h27m41s
